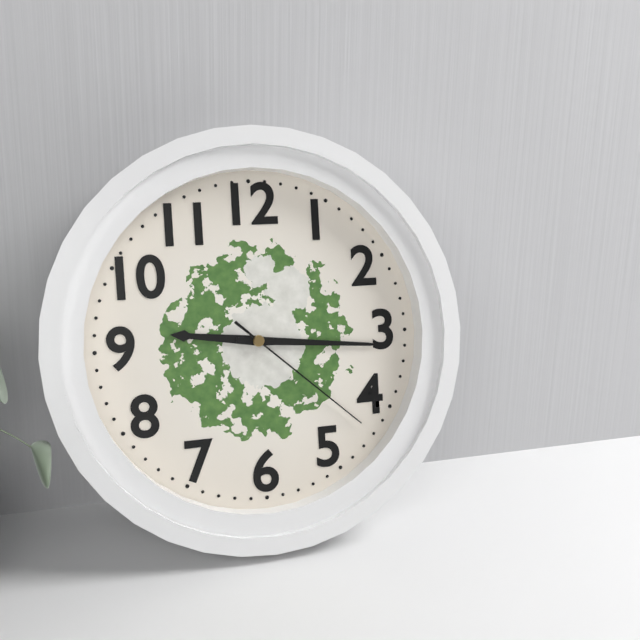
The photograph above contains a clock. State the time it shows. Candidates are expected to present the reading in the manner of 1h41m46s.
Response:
9h16m22s
